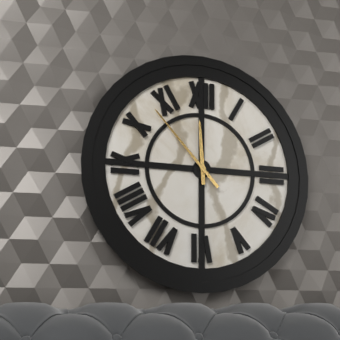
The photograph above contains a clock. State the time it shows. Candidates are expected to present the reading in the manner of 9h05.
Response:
11h53
